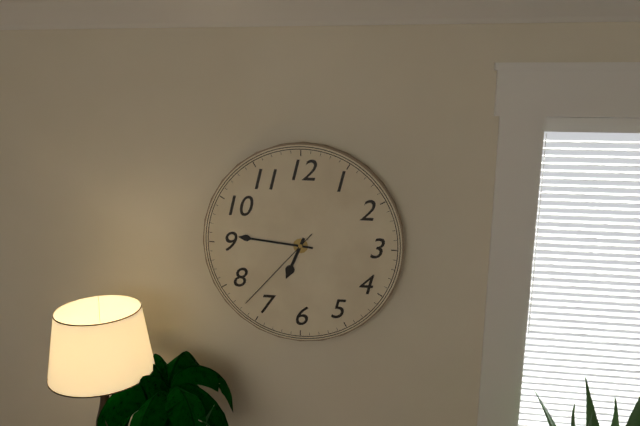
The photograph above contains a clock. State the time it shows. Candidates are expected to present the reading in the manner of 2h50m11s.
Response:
6h46m37s
